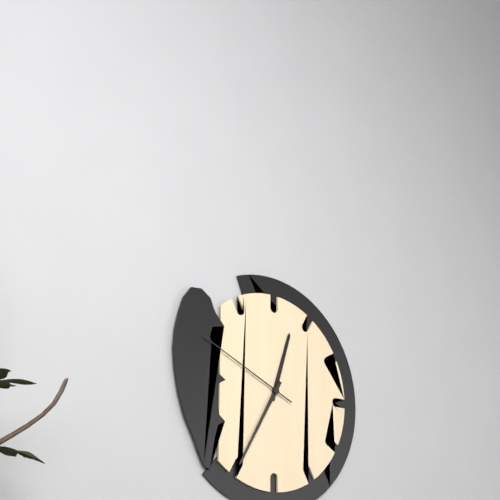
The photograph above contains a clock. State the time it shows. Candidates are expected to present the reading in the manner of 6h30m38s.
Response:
12h35m49s
